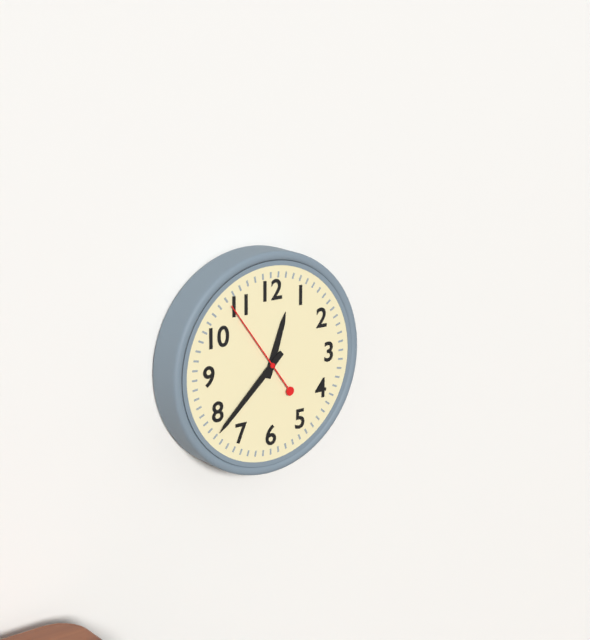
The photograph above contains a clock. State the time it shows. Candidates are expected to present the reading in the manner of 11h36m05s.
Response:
12h38m54s
